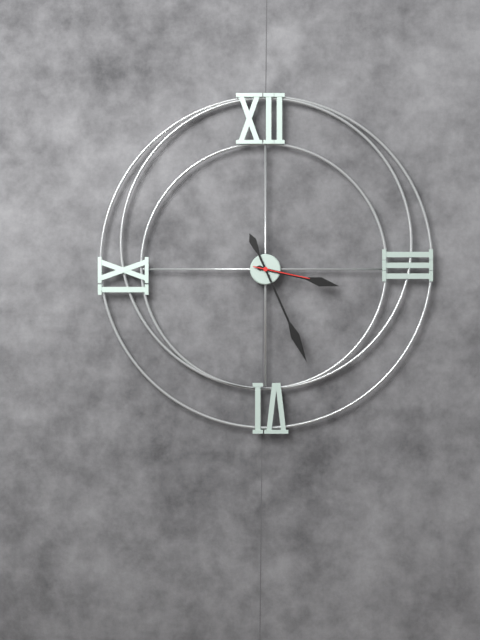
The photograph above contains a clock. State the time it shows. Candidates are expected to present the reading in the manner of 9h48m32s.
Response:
3h26m17s
